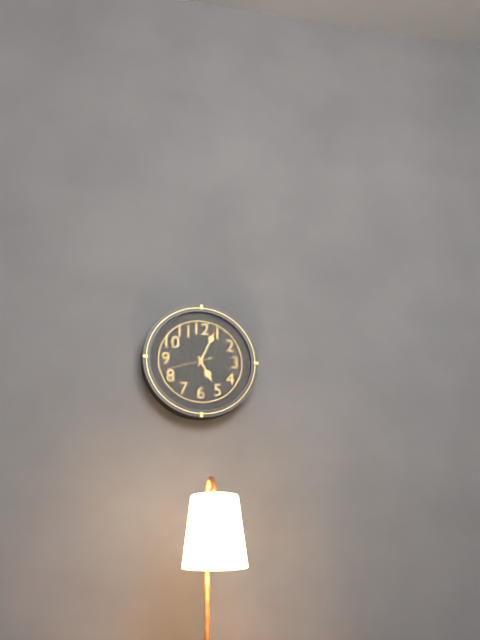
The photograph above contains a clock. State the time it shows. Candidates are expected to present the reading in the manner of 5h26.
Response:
5h04
